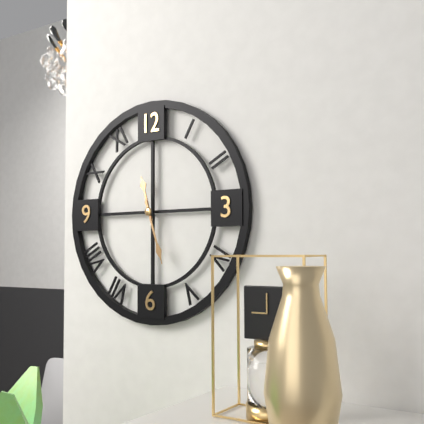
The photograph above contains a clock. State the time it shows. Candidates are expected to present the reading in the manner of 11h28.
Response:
11h27
